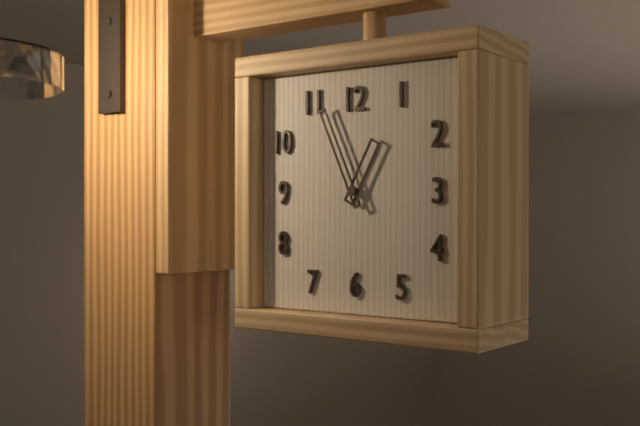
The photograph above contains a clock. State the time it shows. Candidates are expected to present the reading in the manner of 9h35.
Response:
12h56
